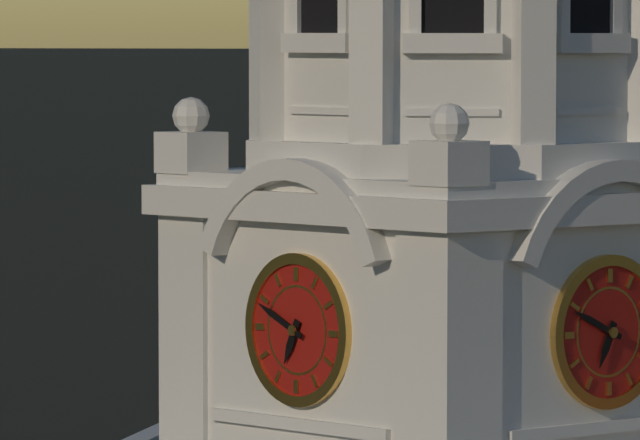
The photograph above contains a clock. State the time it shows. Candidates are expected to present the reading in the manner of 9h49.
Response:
6h49
